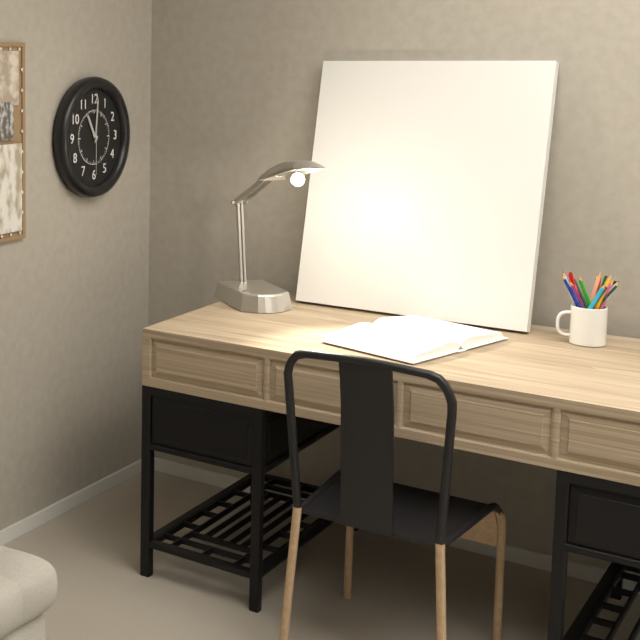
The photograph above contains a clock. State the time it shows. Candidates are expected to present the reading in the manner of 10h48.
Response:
11h01
